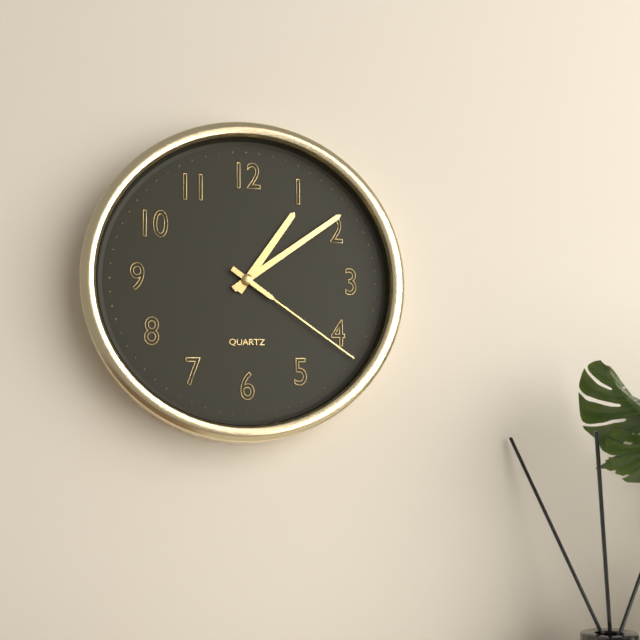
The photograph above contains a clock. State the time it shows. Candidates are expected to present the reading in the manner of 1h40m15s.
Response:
1h09m21s
